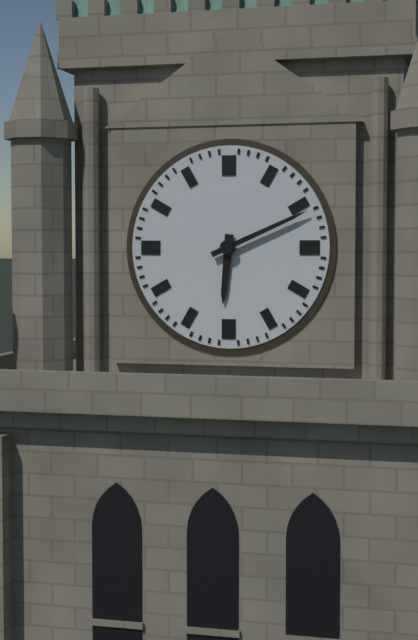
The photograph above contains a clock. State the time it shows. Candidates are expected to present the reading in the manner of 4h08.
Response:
6h11
